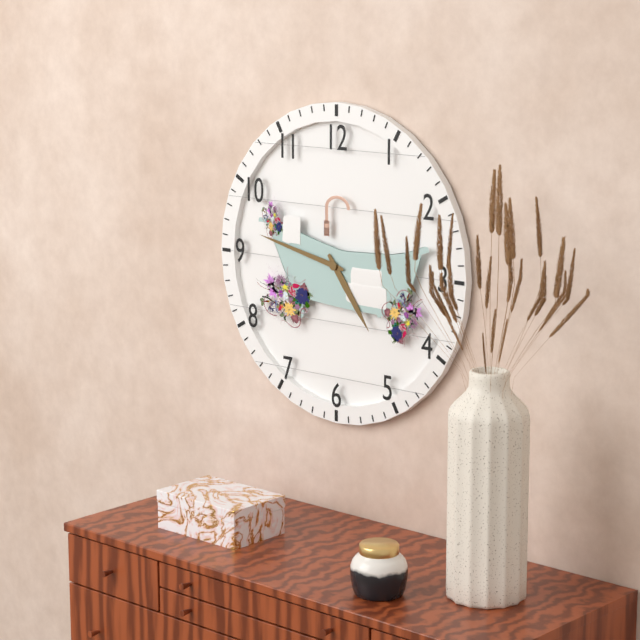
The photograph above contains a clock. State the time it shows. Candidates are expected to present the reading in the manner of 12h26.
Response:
4h47
